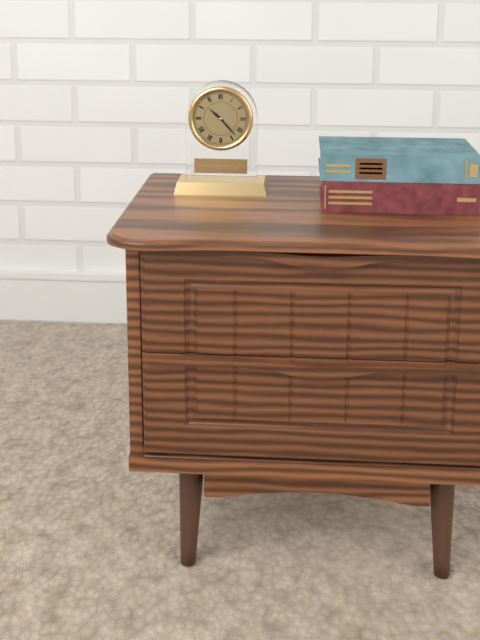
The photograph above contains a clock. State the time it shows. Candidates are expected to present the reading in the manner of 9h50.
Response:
10h23
